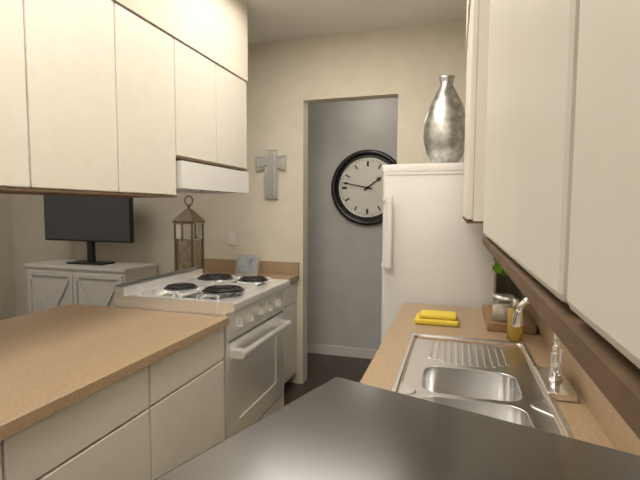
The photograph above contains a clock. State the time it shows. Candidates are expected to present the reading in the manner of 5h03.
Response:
1h47
